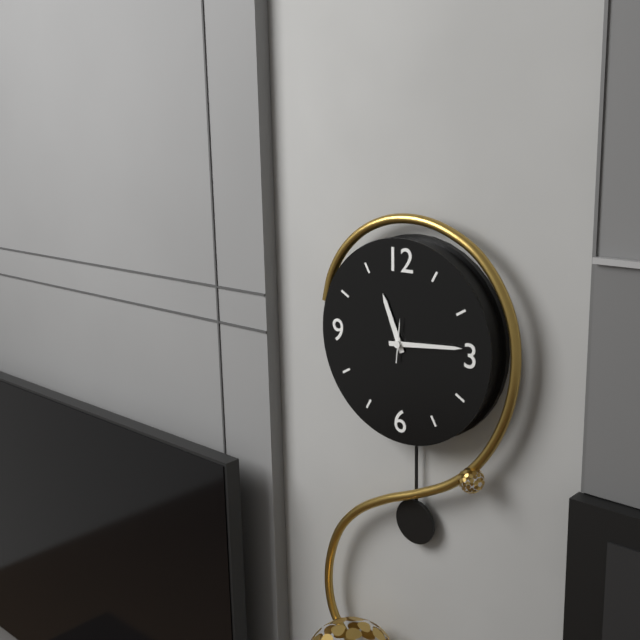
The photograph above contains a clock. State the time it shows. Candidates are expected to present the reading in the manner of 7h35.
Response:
11h14
